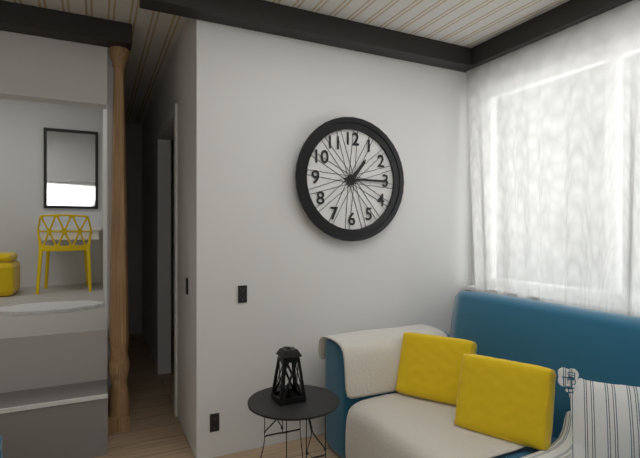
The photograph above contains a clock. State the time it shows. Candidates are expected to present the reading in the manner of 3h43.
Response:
1h15
